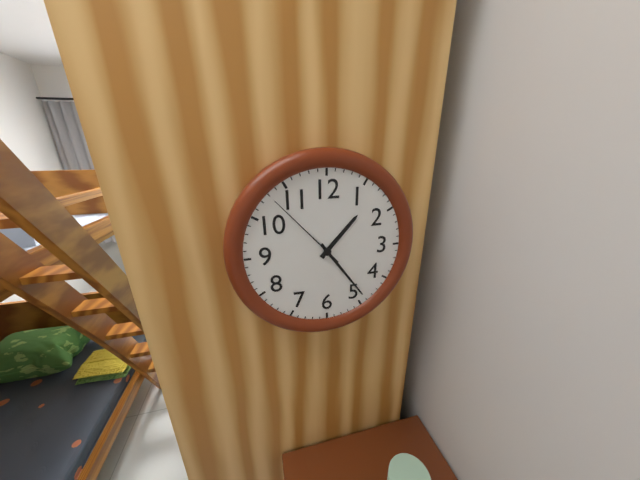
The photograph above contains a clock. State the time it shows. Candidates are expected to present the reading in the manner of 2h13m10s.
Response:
1h24m53s
